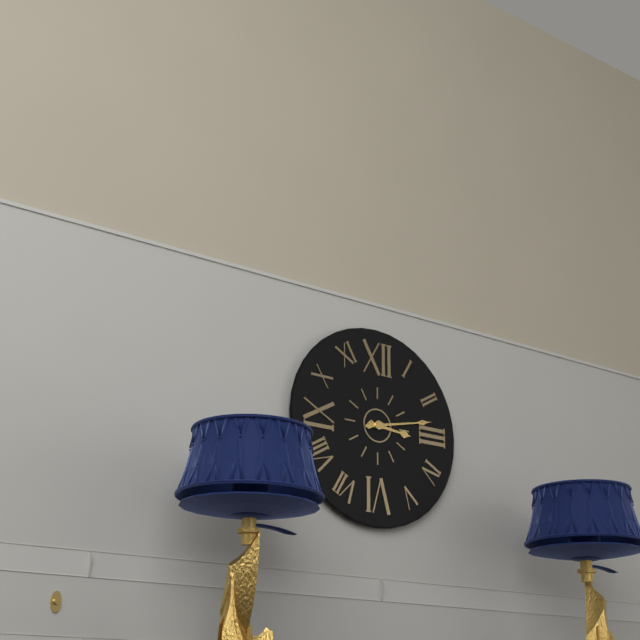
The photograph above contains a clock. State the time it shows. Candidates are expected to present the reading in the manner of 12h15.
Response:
3h13
